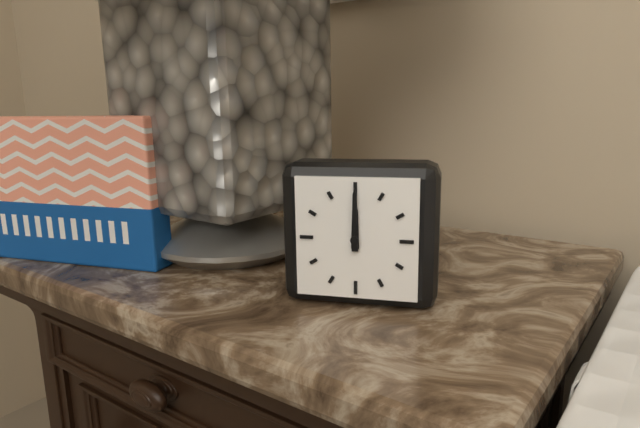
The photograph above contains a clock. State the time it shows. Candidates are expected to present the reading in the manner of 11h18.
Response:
12h00
